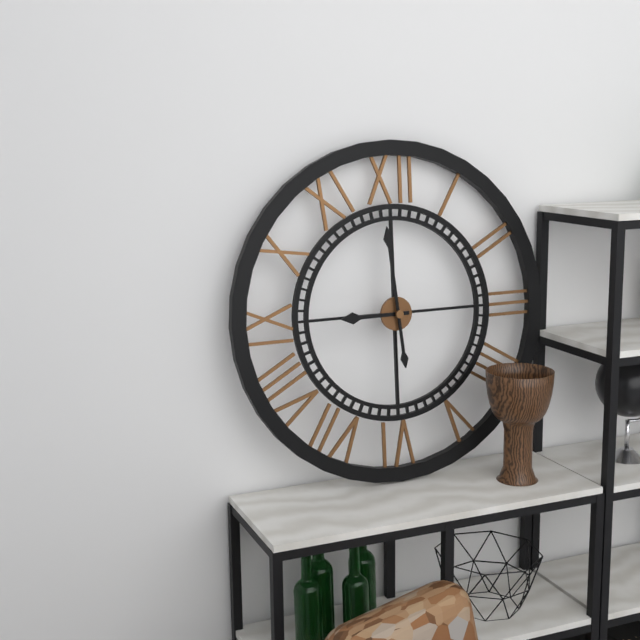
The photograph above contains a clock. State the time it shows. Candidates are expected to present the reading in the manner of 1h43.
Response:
8h59
